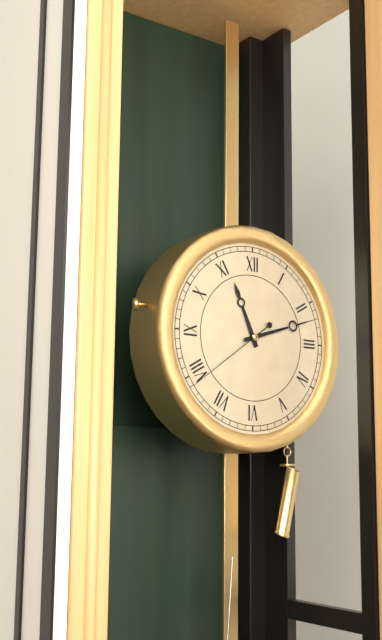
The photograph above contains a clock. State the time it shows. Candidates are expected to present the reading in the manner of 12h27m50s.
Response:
11h12m39s
